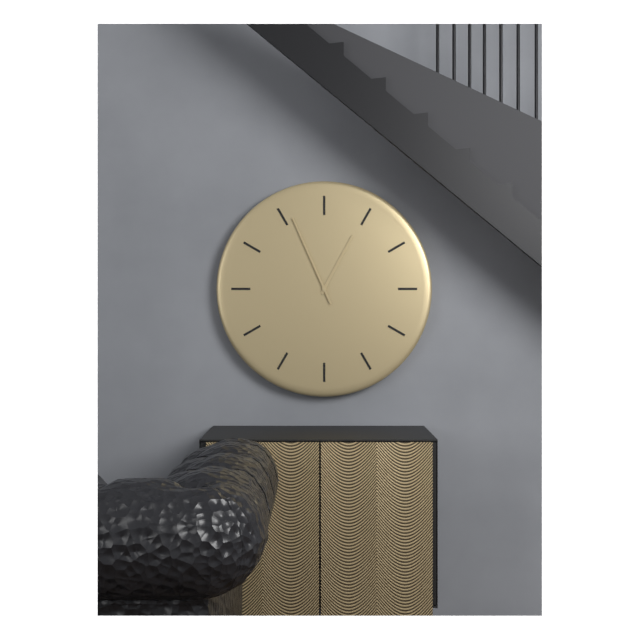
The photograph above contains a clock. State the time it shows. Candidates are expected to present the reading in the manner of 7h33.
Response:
12h56
